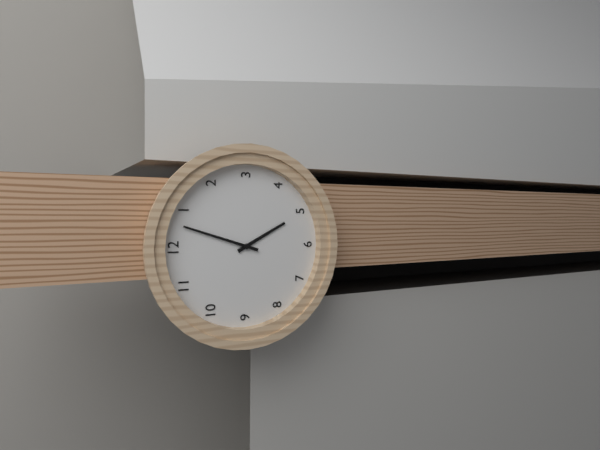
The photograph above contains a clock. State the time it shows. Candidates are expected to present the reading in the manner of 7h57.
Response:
5h03
